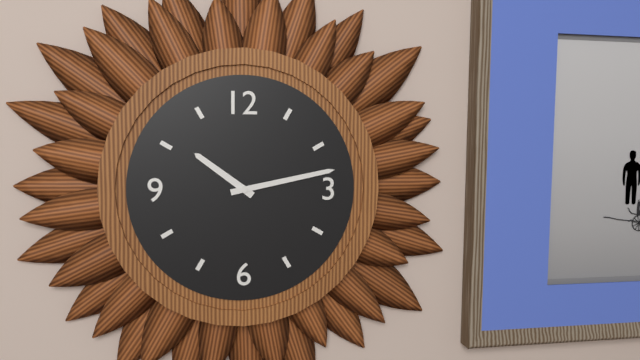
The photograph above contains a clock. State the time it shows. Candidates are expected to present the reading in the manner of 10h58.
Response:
10h13
